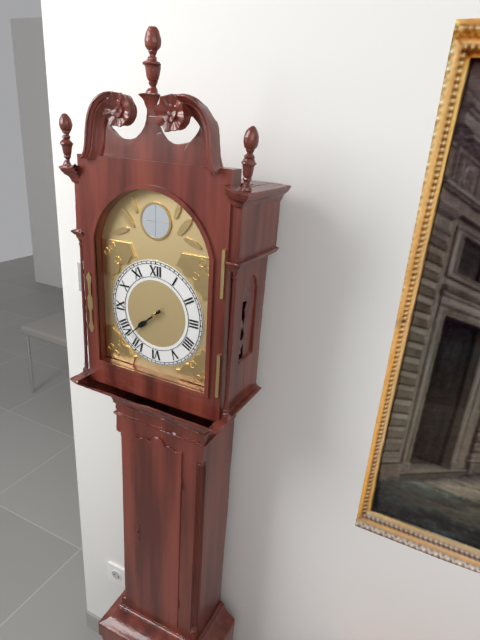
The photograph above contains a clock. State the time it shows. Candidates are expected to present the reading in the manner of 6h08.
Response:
7h38
